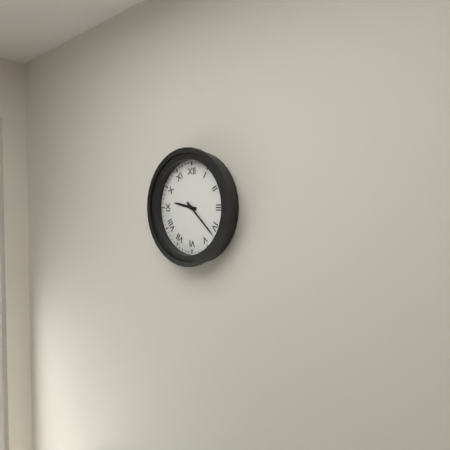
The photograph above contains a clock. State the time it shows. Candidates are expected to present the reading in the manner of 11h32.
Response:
9h22
